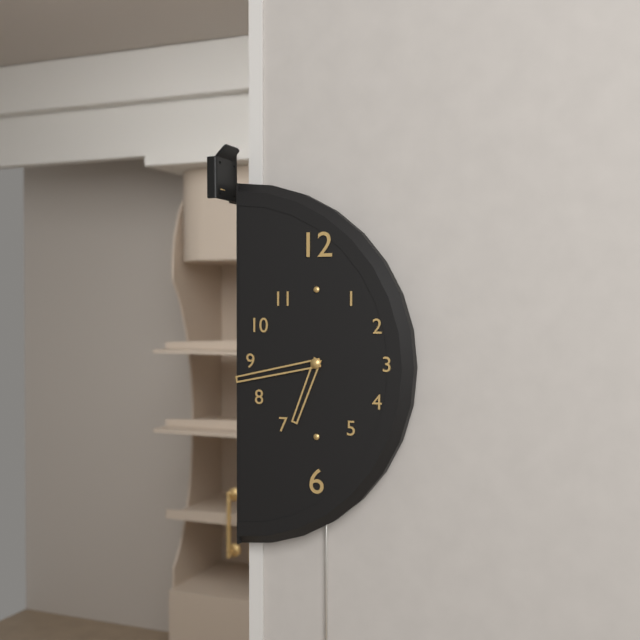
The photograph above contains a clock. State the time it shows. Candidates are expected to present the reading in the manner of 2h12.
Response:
6h43
